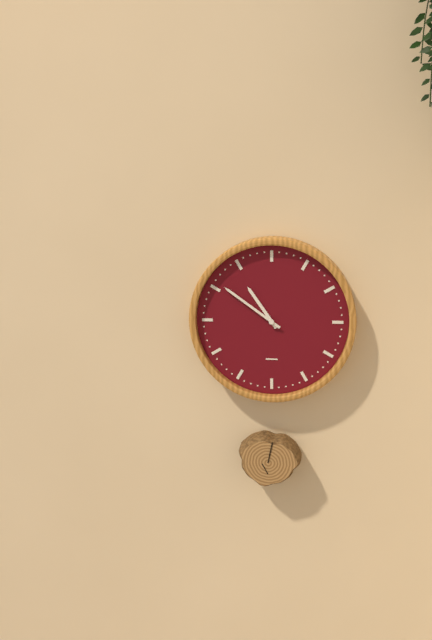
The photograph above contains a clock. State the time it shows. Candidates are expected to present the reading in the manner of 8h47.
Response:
10h51
